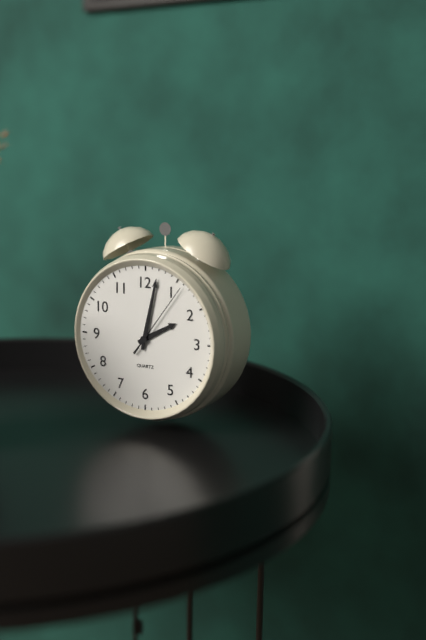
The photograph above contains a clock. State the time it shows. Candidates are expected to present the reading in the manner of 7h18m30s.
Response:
2h02m06s
